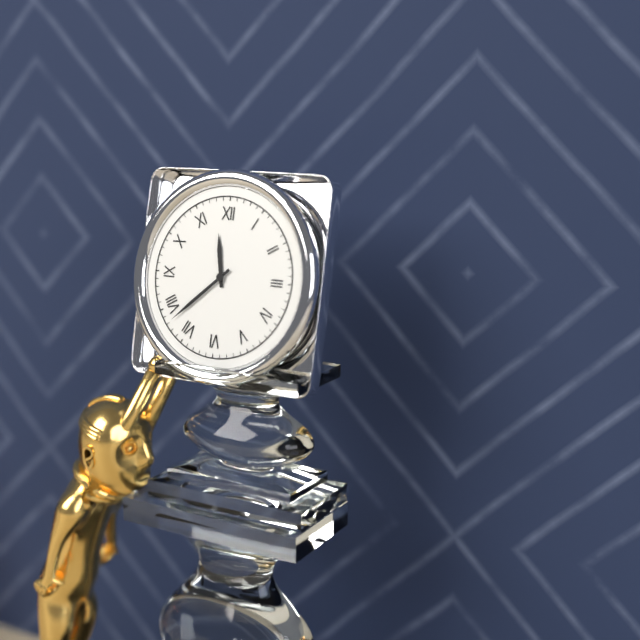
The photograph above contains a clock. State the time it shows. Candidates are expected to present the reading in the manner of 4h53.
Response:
11h38
